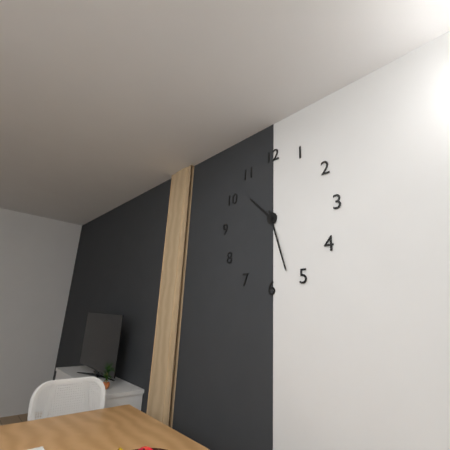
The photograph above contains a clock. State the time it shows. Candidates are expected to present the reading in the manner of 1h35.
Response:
10h27
